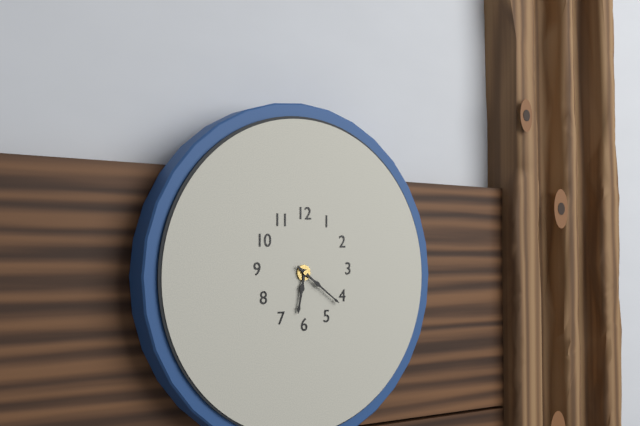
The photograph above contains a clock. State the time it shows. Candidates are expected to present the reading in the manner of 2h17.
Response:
6h21
